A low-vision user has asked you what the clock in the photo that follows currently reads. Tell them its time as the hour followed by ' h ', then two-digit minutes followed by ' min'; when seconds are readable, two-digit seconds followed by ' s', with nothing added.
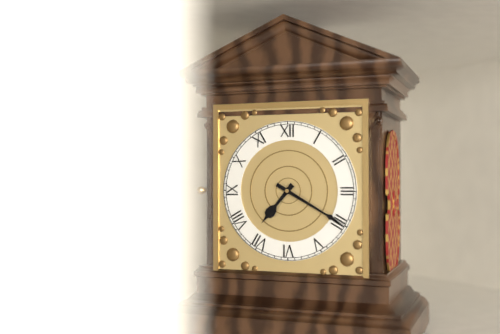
7 h 20 min
